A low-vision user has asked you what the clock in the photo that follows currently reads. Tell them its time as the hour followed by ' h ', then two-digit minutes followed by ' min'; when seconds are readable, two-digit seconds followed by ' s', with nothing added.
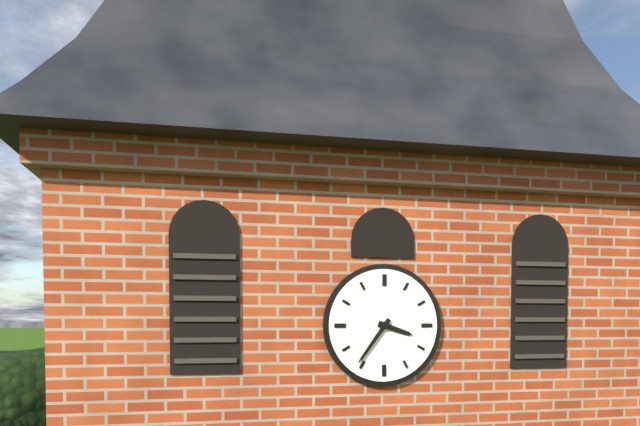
3 h 36 min
